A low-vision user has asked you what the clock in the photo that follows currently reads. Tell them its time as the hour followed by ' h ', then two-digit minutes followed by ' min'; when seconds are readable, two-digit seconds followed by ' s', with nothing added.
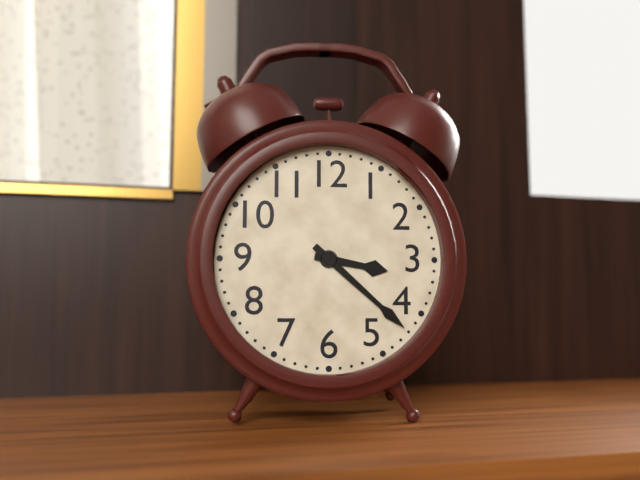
3 h 22 min
